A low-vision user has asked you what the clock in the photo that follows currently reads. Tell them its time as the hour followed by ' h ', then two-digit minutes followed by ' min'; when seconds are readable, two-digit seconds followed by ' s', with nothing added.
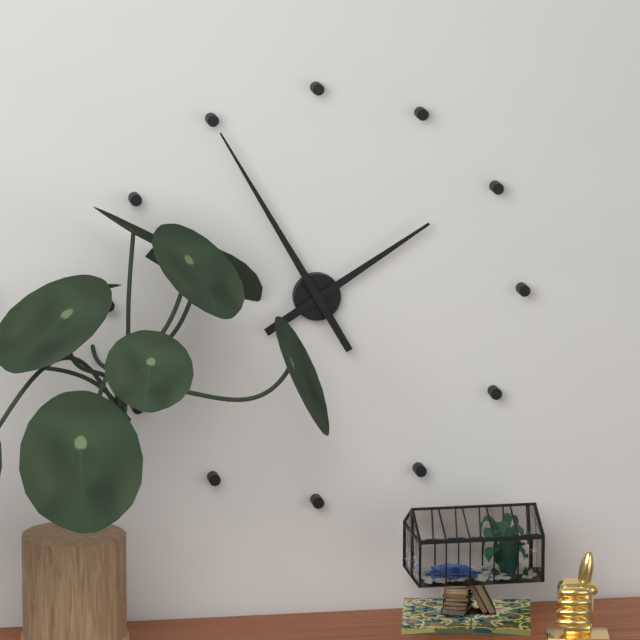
1 h 55 min
